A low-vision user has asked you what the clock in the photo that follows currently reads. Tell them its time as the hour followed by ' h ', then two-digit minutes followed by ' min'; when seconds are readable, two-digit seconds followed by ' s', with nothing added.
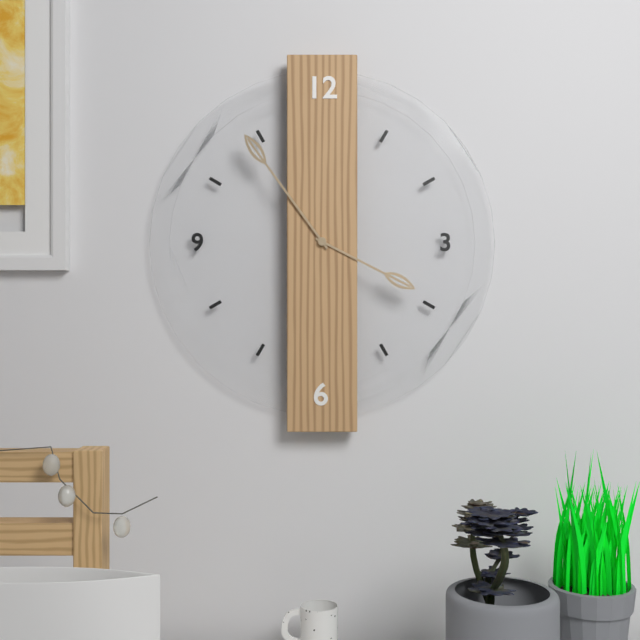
3 h 54 min
